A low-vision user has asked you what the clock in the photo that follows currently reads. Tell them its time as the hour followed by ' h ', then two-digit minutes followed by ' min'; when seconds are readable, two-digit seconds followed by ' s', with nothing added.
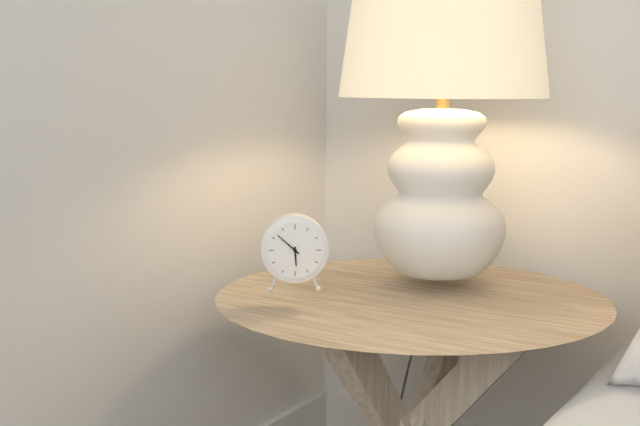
5 h 52 min
